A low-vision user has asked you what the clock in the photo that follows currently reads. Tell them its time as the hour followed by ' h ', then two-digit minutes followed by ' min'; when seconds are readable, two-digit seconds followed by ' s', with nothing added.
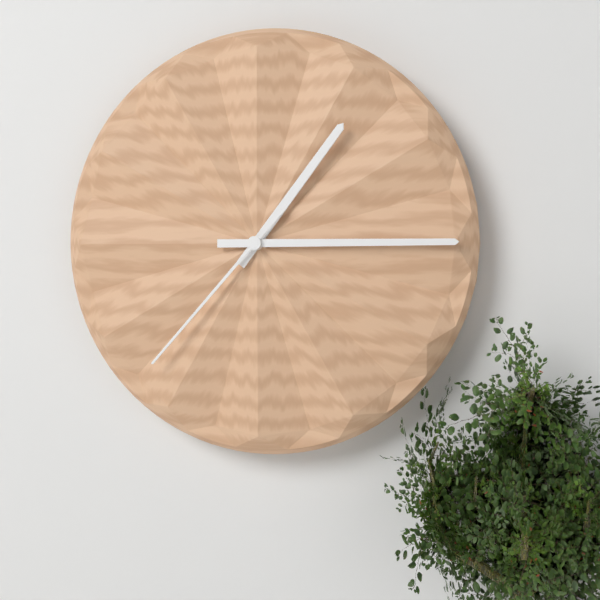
1 h 15 min 37 s
